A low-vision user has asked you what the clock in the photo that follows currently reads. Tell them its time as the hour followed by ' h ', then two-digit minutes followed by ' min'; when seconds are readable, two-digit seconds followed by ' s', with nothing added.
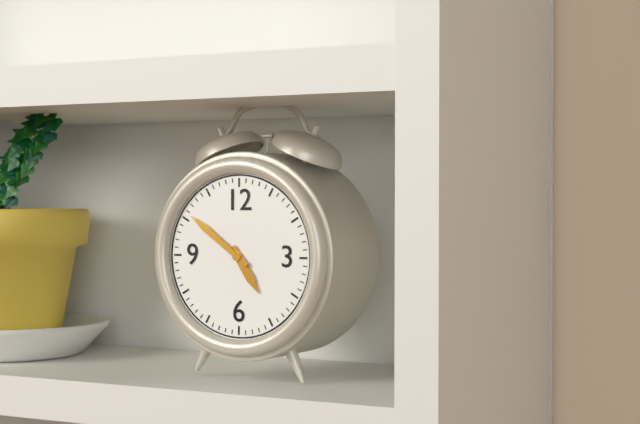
4 h 51 min
